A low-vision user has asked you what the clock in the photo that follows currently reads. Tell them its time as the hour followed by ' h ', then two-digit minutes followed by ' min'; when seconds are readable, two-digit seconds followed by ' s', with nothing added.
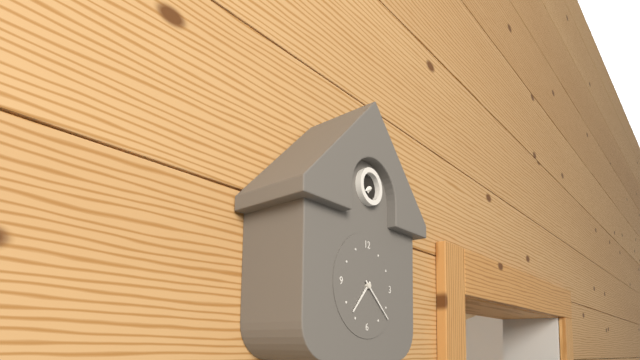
7 h 22 min
